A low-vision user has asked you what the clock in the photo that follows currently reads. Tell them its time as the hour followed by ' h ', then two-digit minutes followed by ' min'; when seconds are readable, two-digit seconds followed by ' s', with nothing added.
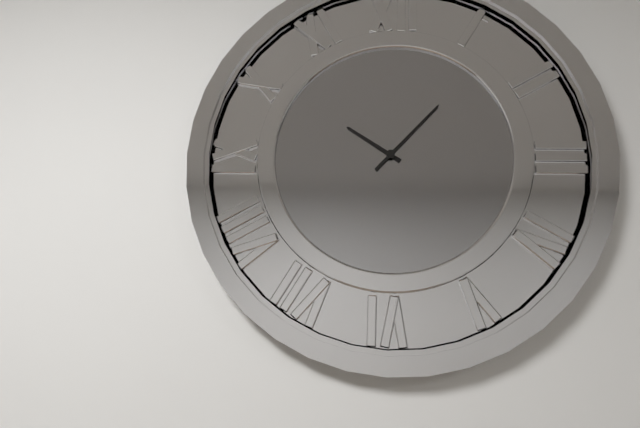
10 h 07 min
